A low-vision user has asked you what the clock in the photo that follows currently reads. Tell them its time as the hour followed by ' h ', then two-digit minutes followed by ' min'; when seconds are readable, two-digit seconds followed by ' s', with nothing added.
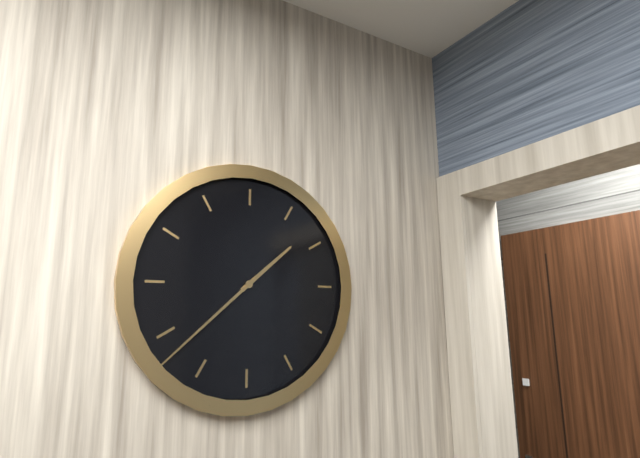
1 h 38 min
